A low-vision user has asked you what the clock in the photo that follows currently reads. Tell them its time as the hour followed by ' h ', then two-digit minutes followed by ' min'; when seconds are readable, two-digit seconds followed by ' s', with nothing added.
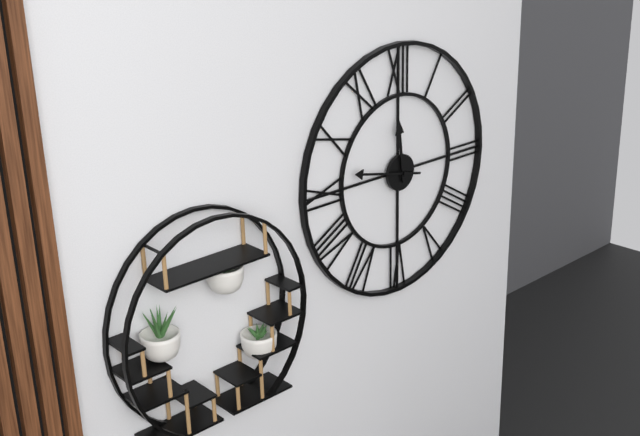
11 h 47 min
